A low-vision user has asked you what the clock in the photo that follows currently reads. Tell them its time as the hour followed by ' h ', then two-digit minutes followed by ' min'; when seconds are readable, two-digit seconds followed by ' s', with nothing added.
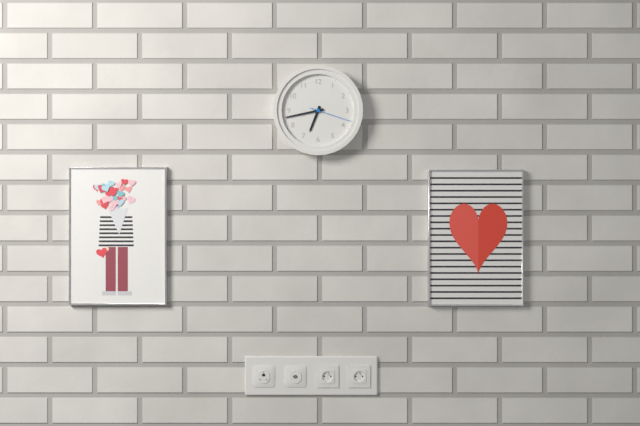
6 h 43 min
